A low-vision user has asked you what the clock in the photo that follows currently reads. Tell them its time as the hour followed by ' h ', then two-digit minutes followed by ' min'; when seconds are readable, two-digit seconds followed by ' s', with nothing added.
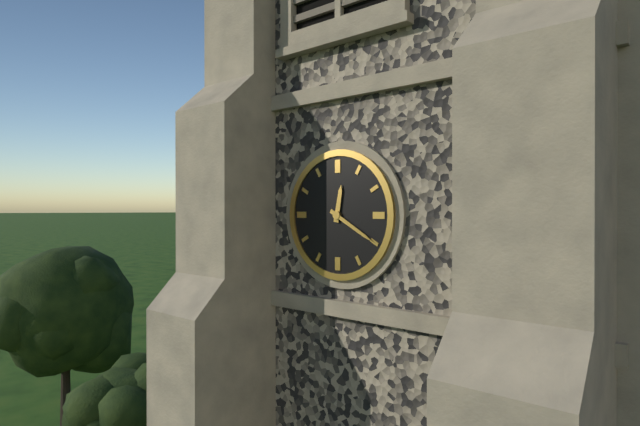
12 h 20 min
